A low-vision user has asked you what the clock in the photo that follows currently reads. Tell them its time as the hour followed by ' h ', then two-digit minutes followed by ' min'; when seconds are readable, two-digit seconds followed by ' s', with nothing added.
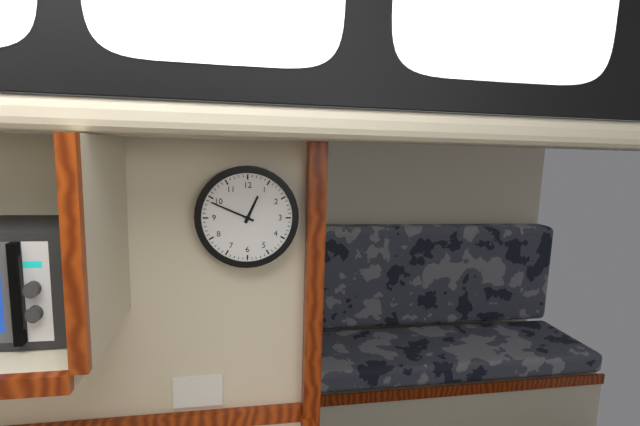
12 h 49 min
